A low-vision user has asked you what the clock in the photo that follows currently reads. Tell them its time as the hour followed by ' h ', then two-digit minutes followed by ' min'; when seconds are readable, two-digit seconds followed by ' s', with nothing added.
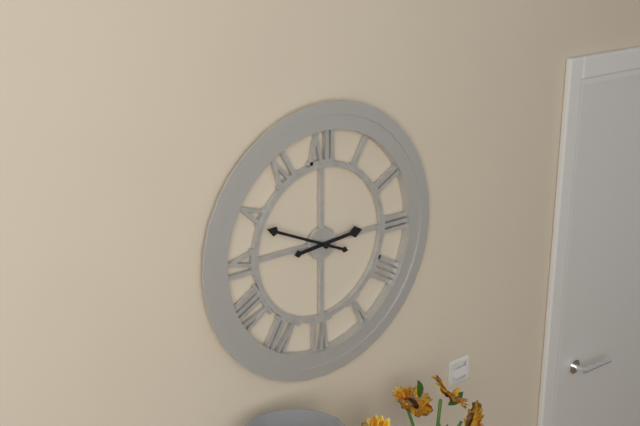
2 h 49 min
